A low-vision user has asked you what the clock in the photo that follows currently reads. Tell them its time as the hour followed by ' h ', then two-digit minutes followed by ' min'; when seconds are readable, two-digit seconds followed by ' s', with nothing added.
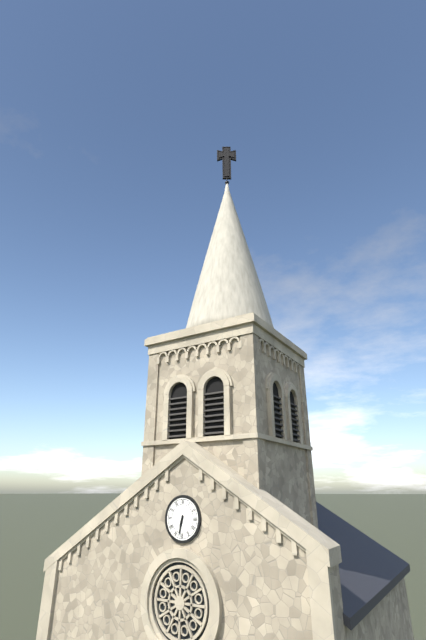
6 h 32 min
